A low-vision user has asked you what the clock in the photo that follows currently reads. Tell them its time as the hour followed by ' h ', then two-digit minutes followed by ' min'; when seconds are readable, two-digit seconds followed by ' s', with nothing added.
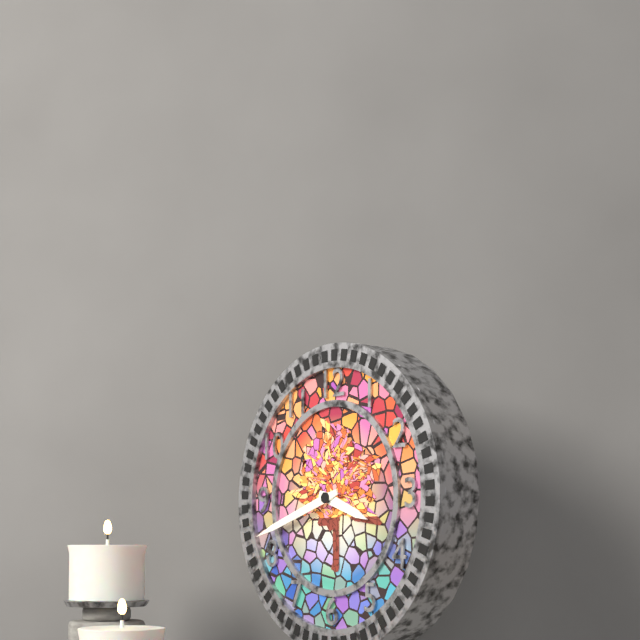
3 h 42 min
